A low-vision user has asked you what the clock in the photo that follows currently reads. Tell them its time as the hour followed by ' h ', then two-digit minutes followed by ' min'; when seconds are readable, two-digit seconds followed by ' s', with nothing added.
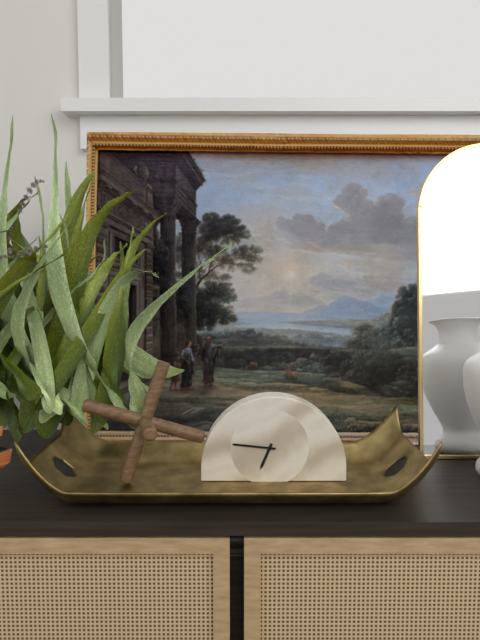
6 h 46 min
